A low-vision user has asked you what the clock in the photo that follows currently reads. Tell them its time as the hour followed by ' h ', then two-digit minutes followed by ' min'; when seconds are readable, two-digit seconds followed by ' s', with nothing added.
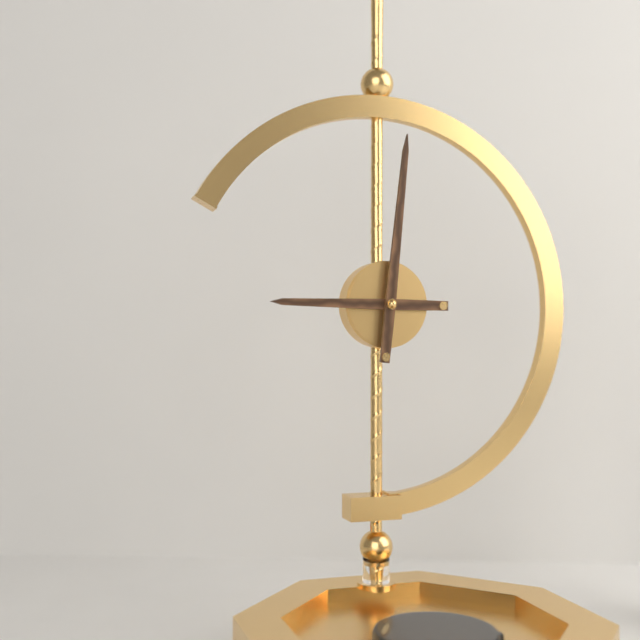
9 h 01 min
